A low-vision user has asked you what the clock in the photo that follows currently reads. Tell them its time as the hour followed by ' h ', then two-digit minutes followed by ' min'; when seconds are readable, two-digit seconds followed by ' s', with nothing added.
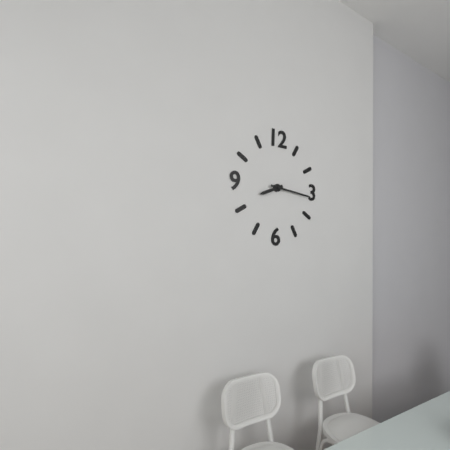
8 h 16 min
